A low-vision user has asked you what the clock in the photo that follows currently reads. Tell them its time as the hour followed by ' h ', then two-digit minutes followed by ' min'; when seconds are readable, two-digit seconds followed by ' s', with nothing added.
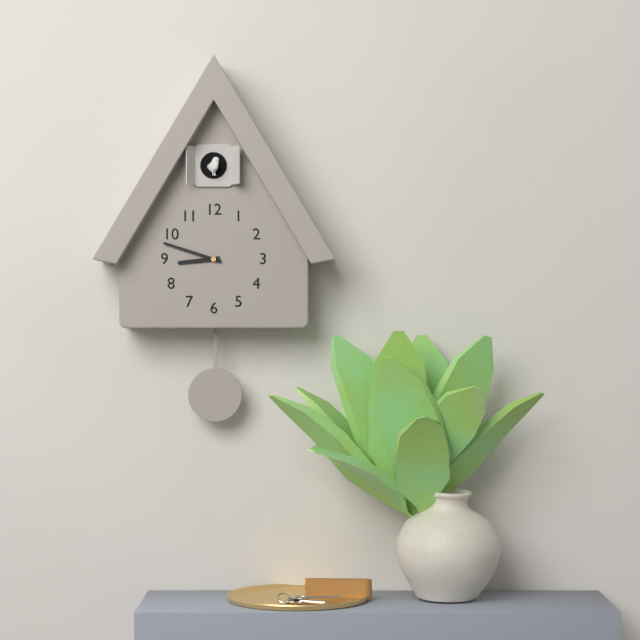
8 h 48 min
